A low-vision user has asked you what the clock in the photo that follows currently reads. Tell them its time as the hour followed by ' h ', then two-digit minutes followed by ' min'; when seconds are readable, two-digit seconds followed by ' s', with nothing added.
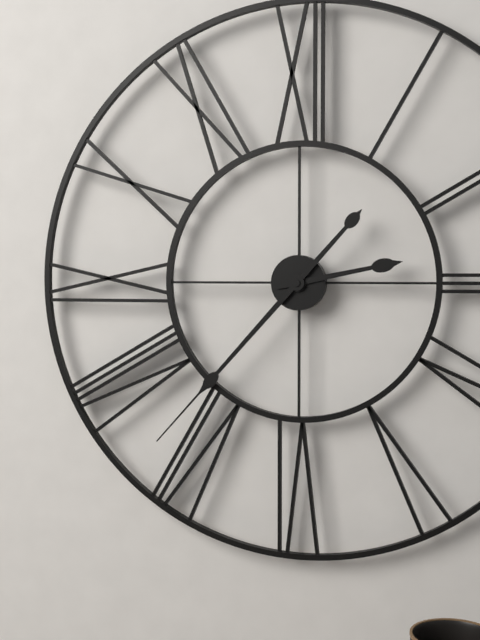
2 h 37 min
